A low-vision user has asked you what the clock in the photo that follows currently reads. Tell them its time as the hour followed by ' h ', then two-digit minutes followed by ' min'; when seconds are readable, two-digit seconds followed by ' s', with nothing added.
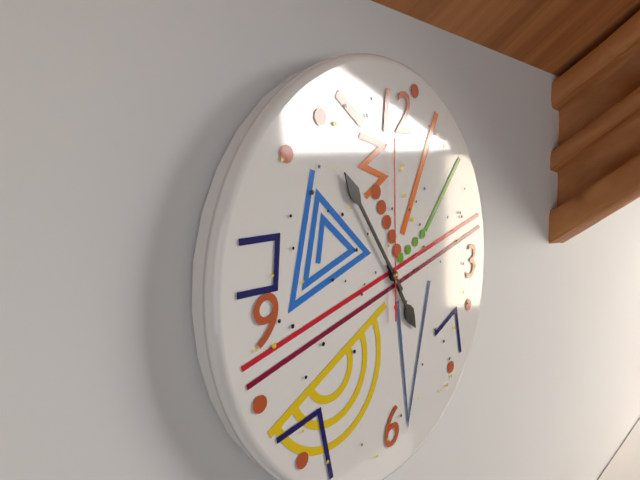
4 h 54 min 00 s
